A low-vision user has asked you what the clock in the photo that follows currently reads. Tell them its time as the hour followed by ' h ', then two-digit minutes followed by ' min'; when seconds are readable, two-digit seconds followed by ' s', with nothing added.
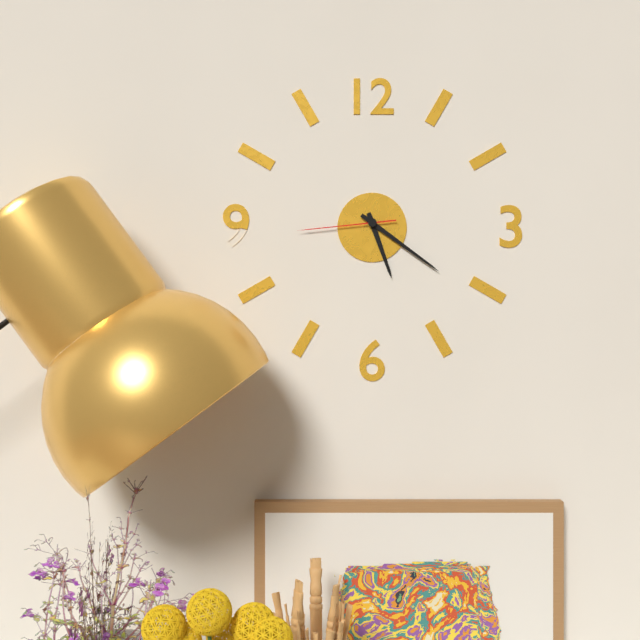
5 h 21 min 44 s
